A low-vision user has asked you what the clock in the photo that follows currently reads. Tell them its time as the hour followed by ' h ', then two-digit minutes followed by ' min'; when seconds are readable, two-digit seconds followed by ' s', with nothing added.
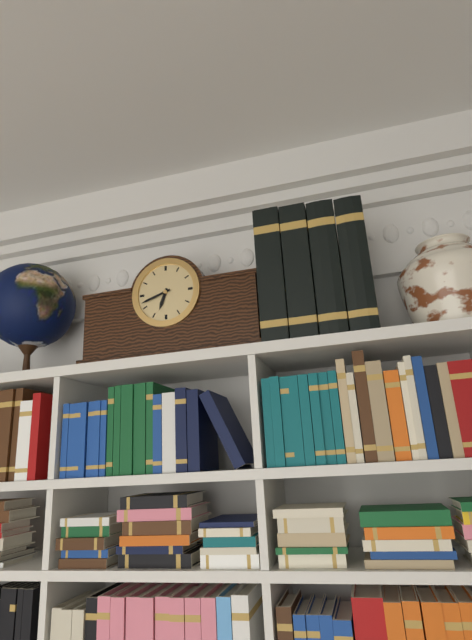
6 h 42 min
